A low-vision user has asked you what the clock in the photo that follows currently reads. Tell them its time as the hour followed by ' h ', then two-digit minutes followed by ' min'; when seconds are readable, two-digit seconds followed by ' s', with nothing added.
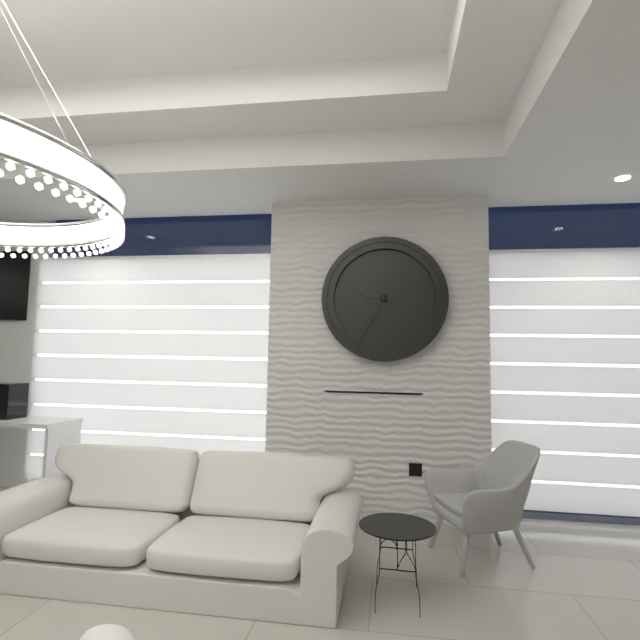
9 h 35 min
